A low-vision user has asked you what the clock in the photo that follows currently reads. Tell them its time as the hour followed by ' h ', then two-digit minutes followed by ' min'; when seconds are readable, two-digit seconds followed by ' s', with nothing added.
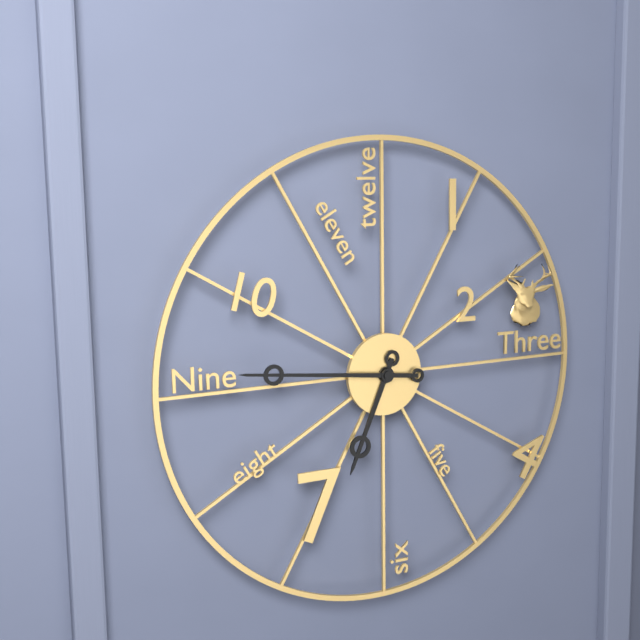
6 h 46 min
